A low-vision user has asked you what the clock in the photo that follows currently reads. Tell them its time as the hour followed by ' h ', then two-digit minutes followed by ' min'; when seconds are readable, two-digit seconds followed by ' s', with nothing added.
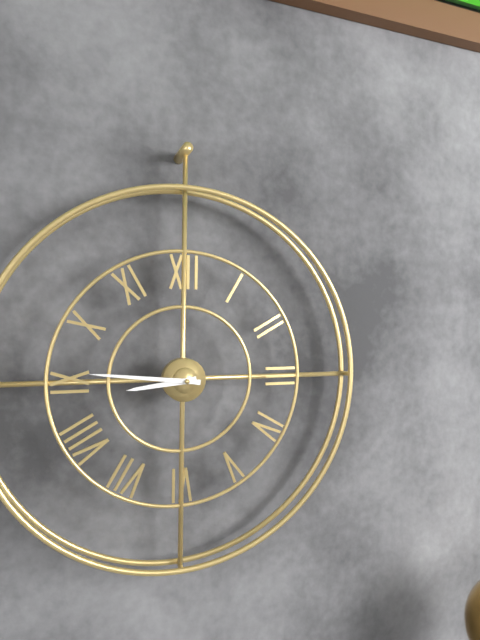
8 h 46 min
